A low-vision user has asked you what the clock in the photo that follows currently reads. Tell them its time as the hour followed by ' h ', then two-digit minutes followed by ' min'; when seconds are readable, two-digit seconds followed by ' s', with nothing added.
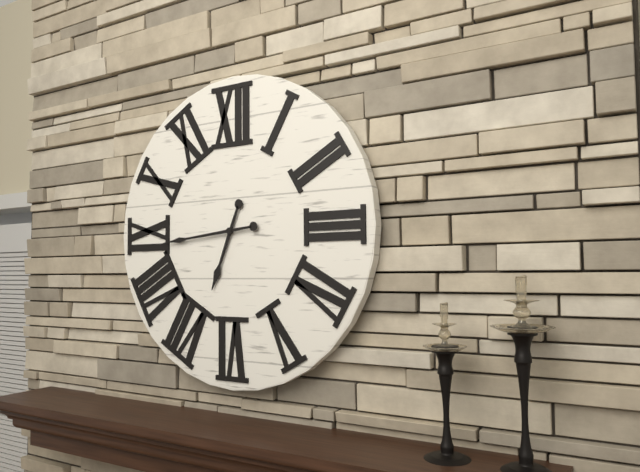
6 h 44 min
